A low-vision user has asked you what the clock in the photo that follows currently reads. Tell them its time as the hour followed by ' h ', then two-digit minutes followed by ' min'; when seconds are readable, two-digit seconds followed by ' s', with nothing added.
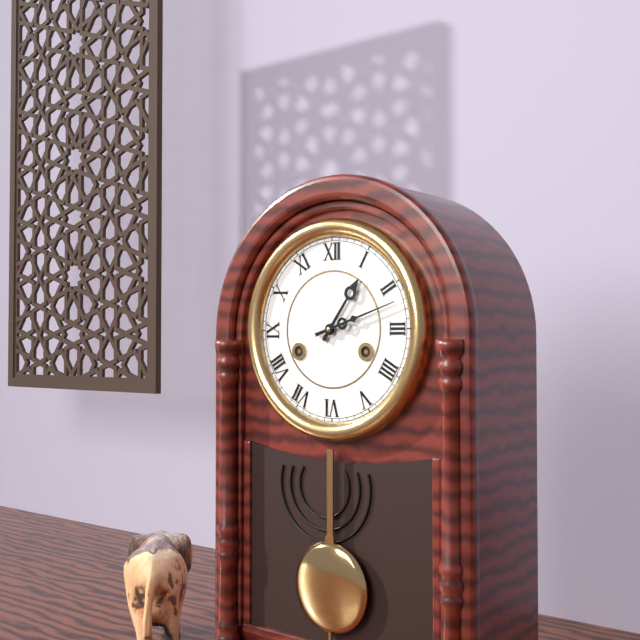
1 h 12 min
